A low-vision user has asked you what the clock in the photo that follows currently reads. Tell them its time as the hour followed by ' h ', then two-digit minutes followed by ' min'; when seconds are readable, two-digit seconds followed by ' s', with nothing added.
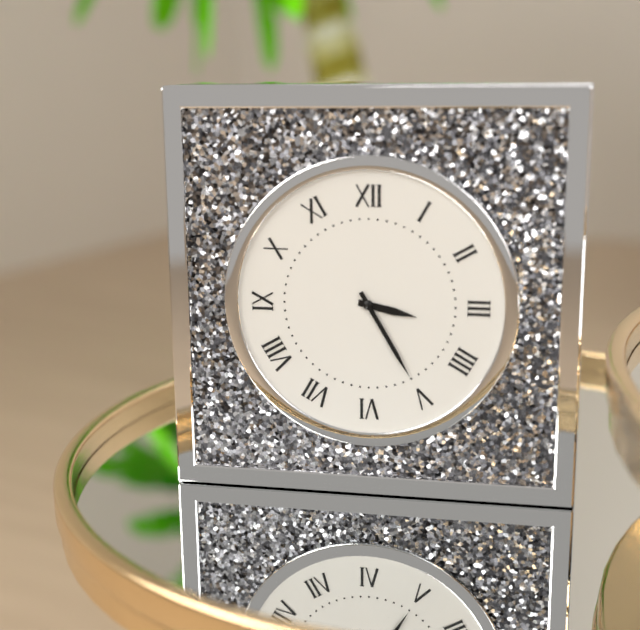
3 h 25 min
